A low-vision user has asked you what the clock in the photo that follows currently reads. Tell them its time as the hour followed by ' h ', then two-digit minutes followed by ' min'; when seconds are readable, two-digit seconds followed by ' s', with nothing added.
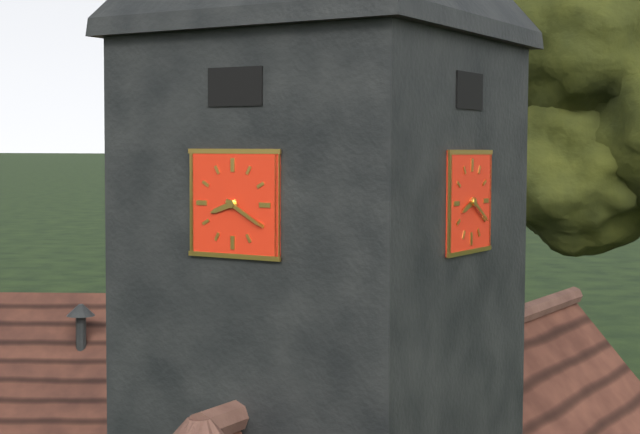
8 h 20 min
